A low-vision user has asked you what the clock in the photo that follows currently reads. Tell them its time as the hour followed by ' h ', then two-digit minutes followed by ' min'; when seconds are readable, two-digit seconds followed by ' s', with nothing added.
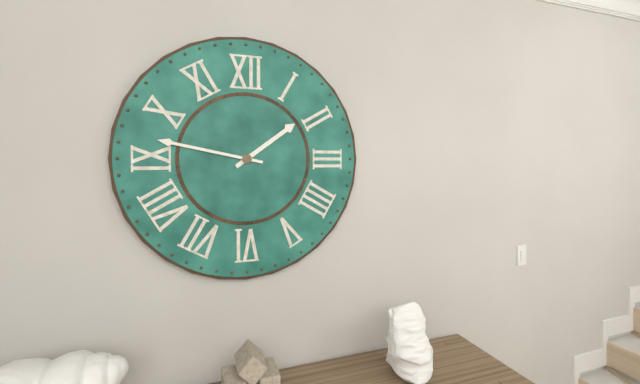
1 h 47 min
